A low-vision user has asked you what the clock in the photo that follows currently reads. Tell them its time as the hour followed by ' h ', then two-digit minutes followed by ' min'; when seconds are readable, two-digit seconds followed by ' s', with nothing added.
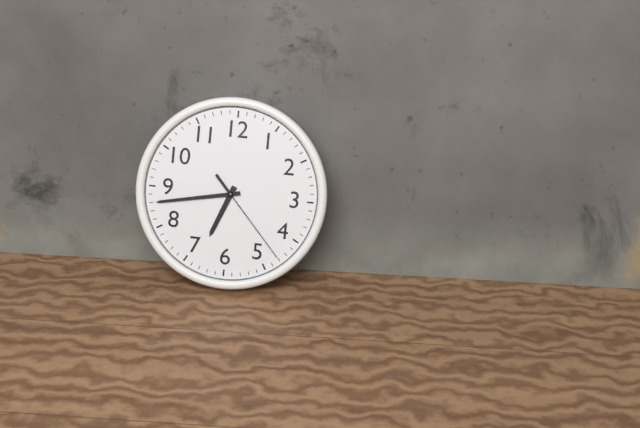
6 h 43 min 23 s
